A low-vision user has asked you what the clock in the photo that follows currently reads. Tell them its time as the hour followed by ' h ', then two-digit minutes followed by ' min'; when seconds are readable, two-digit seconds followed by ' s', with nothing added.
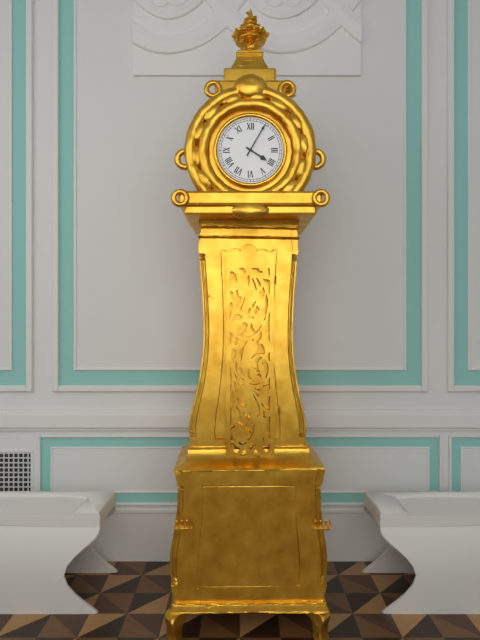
4 h 05 min
